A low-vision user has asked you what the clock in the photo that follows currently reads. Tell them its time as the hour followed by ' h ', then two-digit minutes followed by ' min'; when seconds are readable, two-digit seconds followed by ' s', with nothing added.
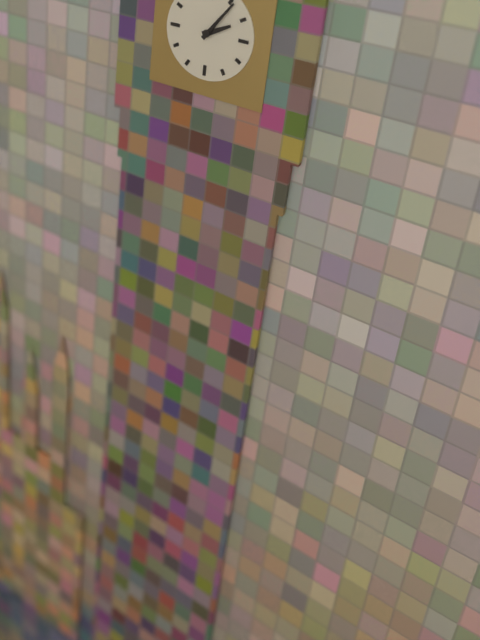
2 h 06 min
